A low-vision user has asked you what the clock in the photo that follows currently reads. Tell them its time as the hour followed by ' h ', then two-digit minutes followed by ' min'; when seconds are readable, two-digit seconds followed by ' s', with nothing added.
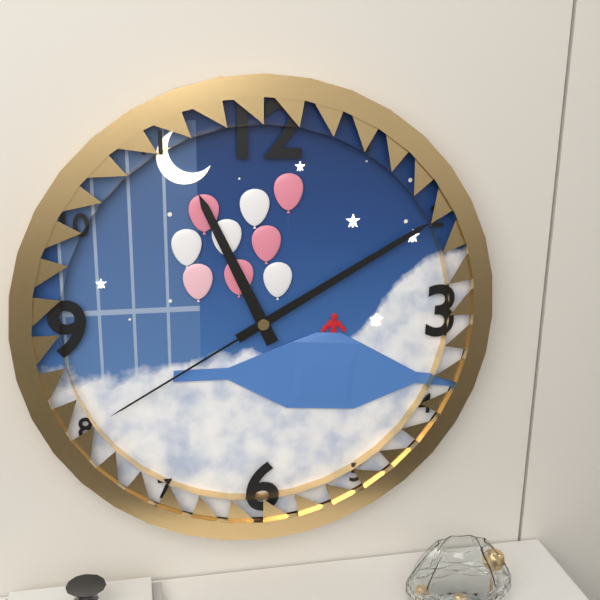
11 h 10 min 40 s
